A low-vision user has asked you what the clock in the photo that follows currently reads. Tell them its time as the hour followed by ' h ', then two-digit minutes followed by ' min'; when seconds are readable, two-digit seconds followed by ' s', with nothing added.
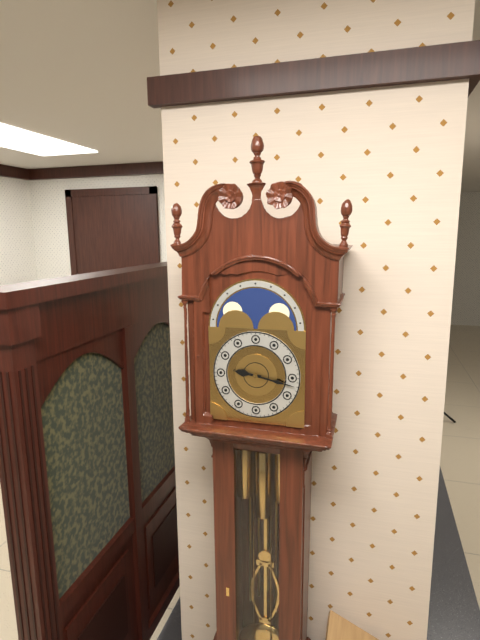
9 h 17 min
